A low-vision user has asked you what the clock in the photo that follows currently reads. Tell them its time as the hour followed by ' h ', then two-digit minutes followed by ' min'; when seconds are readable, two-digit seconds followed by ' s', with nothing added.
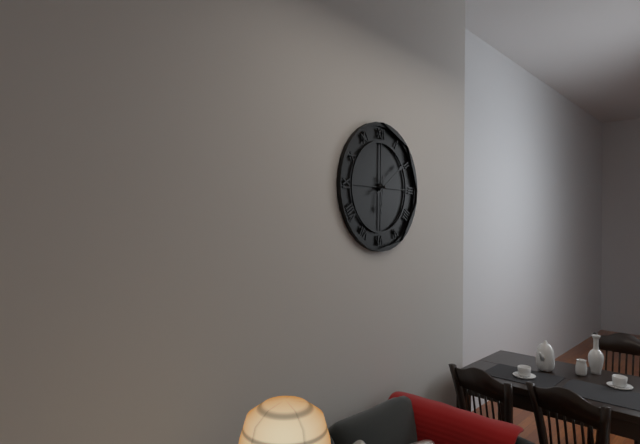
6 h 09 min
